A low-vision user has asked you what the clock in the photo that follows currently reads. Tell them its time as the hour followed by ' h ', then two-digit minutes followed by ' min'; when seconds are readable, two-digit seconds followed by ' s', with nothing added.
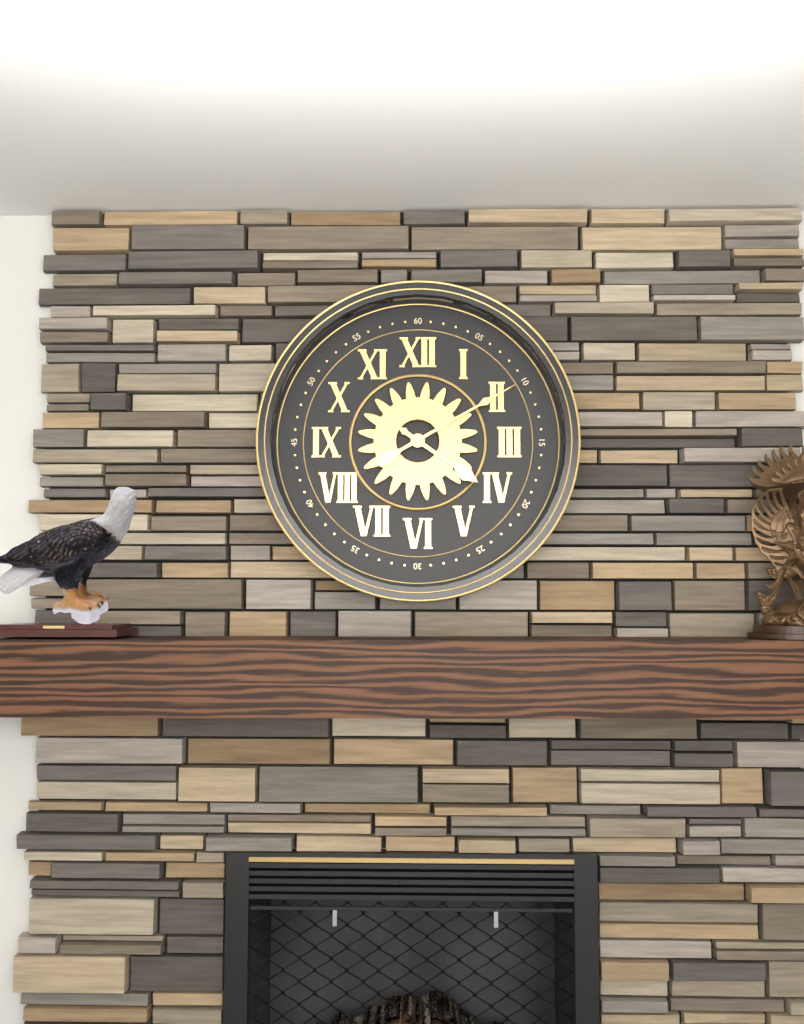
4 h 10 min
